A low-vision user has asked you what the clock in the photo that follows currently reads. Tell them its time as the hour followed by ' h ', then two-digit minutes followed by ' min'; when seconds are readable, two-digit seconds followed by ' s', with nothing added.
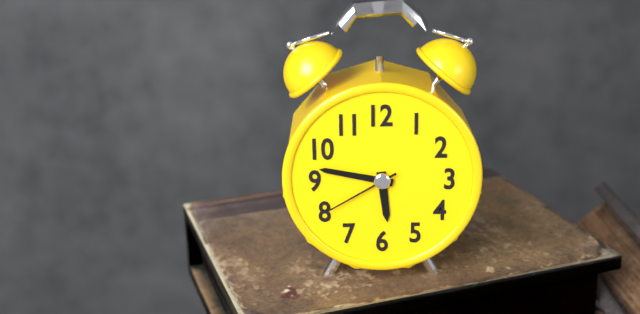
5 h 47 min 40 s
